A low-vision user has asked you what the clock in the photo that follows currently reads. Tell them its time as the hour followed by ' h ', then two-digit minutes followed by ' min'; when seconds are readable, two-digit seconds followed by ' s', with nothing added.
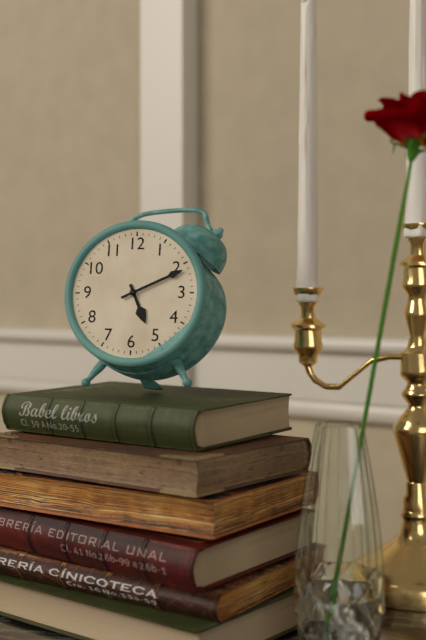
5 h 11 min
